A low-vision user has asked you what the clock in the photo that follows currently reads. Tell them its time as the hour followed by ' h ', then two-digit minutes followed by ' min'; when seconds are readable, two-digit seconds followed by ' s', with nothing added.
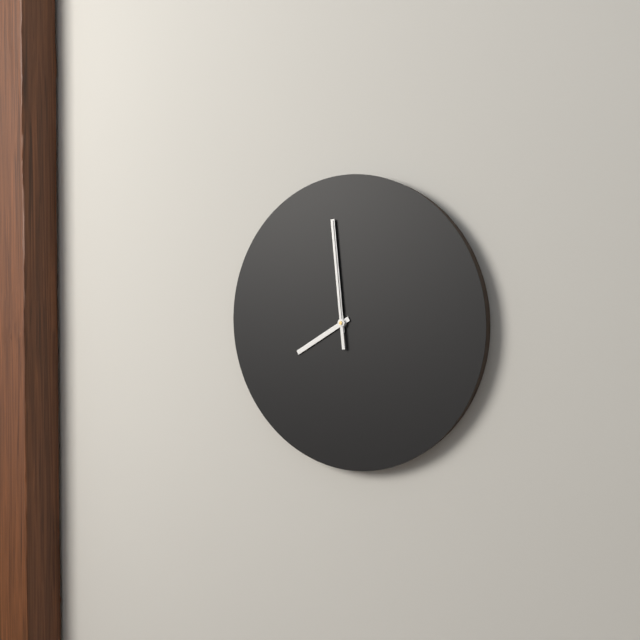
7 h 59 min 59 s
